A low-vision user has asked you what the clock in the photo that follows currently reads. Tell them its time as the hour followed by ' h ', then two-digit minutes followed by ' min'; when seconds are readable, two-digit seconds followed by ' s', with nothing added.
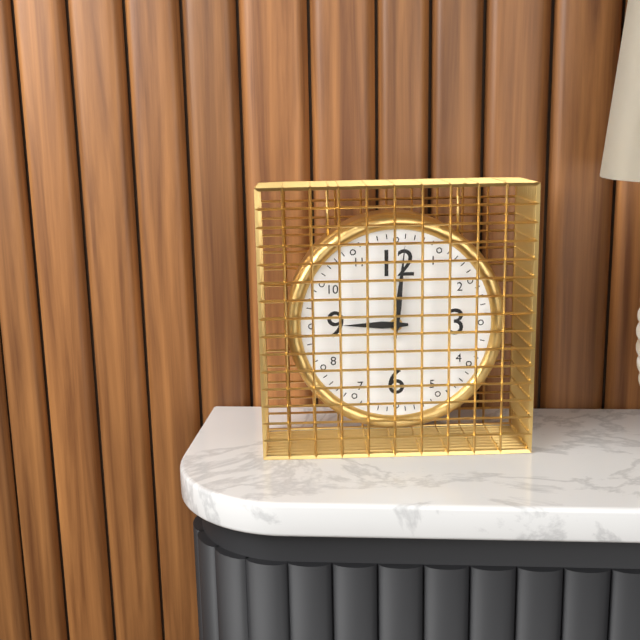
9 h 01 min
